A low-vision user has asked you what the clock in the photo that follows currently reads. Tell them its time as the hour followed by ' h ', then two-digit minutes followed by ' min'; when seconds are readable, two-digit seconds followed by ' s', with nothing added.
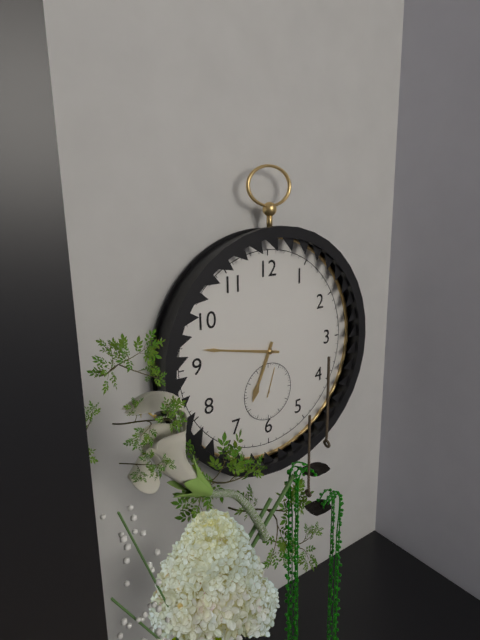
6 h 47 min
